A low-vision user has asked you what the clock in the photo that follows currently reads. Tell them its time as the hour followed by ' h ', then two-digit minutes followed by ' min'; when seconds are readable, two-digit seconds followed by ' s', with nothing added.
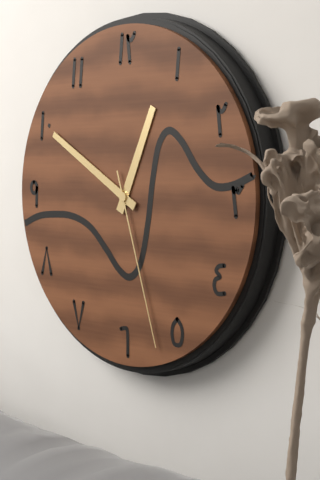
12 h 50 min 27 s
